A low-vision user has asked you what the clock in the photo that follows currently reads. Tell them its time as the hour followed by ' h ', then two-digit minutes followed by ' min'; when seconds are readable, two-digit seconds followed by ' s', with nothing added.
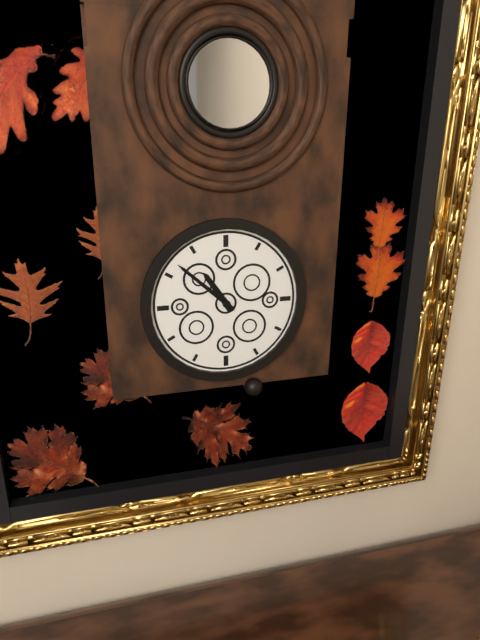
10 h 52 min
